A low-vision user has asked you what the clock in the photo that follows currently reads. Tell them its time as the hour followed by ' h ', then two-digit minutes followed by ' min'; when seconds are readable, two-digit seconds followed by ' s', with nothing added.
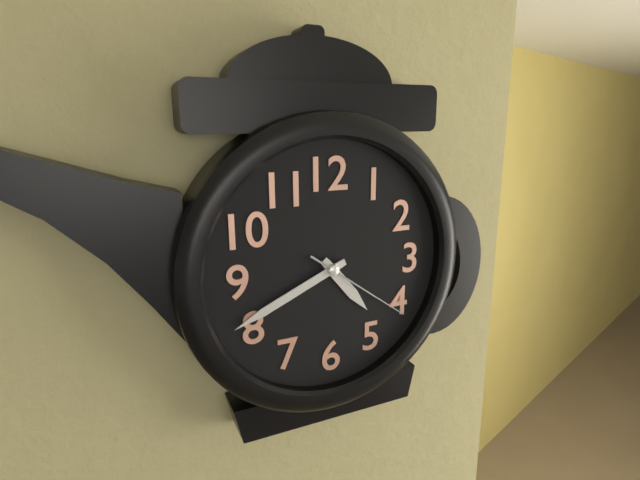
4 h 41 min 21 s
